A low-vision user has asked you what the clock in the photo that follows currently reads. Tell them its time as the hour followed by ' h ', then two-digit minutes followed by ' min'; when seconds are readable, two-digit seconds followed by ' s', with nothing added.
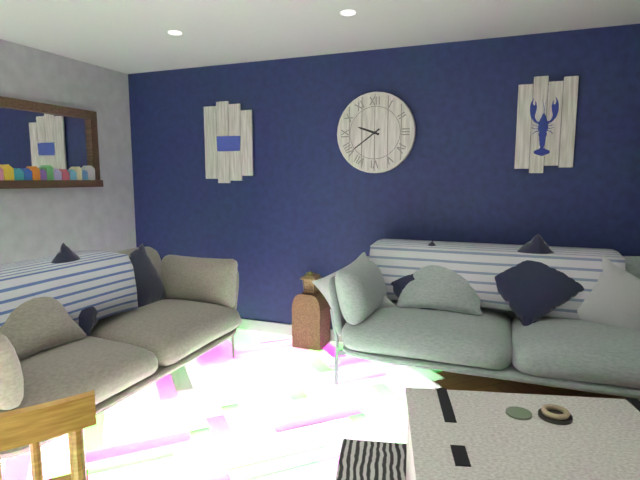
9 h 39 min
